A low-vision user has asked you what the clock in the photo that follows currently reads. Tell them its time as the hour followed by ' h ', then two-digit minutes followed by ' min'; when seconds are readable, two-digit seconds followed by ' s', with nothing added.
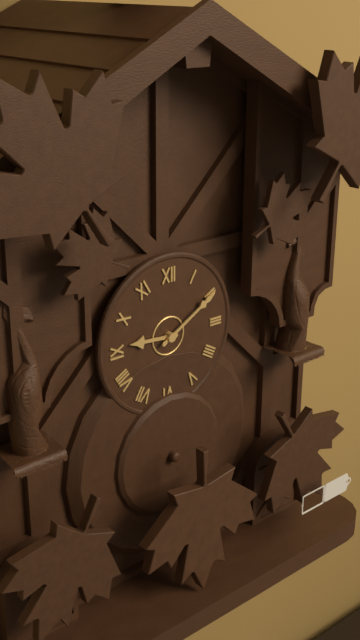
9 h 10 min
